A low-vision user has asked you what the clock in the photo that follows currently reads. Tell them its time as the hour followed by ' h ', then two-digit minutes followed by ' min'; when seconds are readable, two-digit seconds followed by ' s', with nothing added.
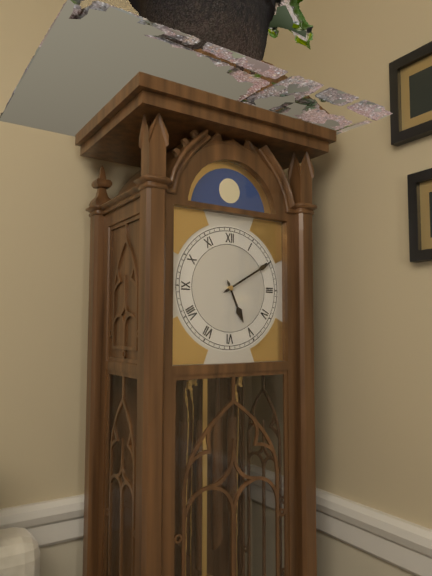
5 h 10 min
